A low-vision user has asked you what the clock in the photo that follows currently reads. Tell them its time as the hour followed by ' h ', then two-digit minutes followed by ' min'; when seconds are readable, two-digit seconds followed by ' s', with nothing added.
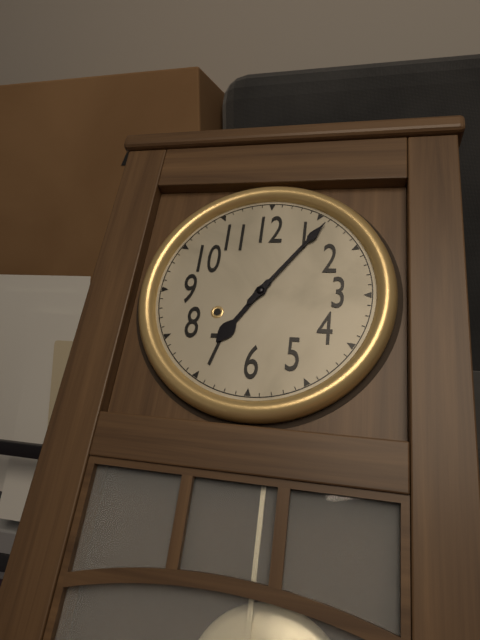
7 h 06 min
